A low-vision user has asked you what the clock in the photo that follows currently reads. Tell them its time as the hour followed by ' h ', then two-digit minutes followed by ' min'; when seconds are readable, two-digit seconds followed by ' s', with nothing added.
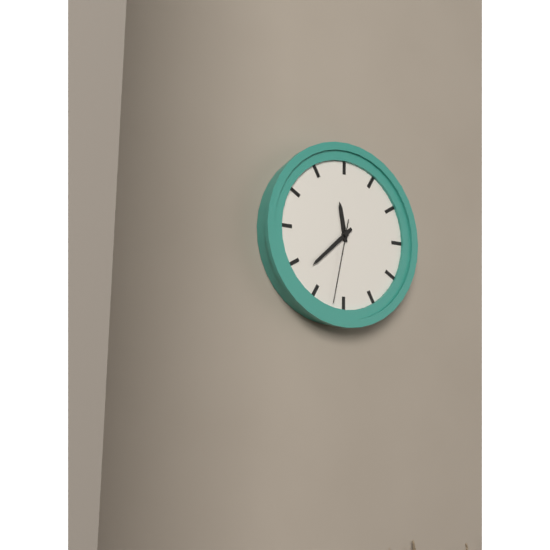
11 h 38 min 32 s
